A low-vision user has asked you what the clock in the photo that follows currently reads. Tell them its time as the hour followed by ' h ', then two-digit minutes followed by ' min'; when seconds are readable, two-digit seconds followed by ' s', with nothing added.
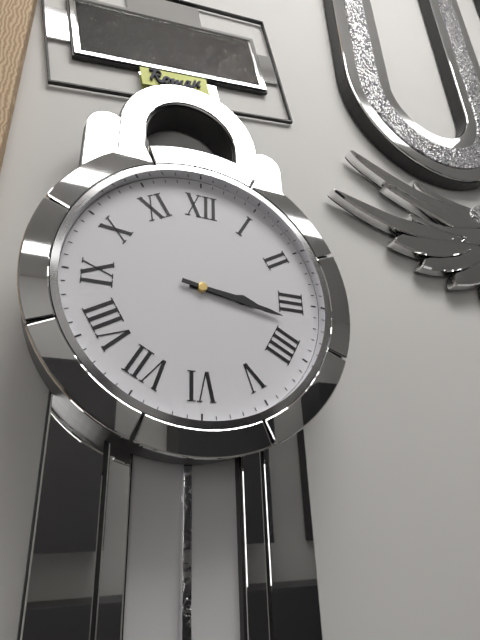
3 h 17 min
